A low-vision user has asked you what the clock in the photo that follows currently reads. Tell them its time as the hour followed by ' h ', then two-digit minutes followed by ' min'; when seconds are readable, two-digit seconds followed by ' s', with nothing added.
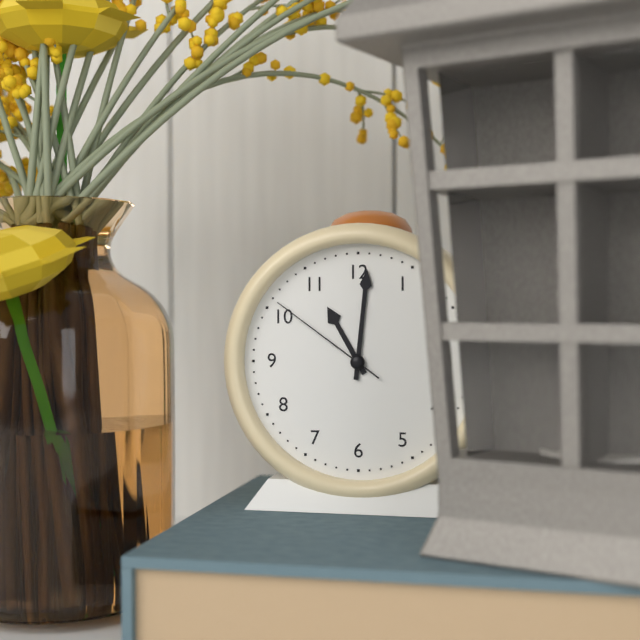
11 h 01 min 51 s
